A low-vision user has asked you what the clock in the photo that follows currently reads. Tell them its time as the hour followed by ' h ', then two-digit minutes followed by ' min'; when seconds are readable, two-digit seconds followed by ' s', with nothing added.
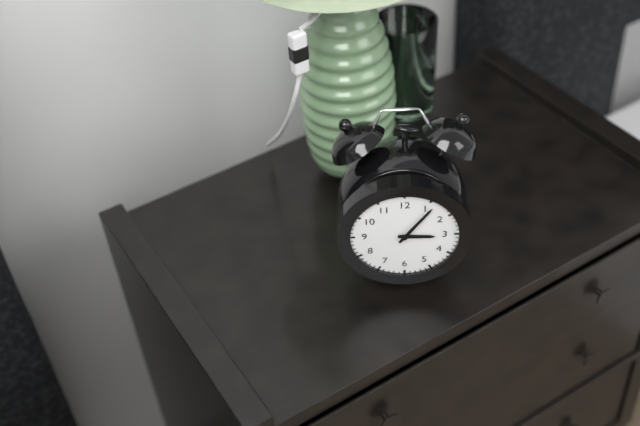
3 h 06 min
